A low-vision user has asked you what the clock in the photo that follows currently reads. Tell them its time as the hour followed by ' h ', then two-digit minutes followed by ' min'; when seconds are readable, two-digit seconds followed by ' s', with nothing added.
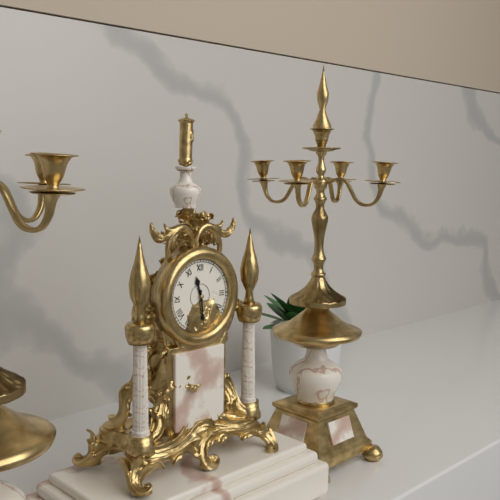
11 h 29 min
